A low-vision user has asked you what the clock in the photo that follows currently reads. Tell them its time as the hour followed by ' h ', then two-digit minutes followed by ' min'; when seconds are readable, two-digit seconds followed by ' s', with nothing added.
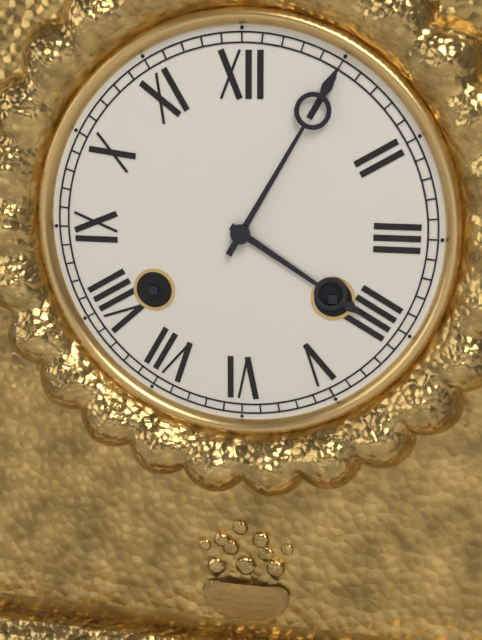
4 h 05 min
